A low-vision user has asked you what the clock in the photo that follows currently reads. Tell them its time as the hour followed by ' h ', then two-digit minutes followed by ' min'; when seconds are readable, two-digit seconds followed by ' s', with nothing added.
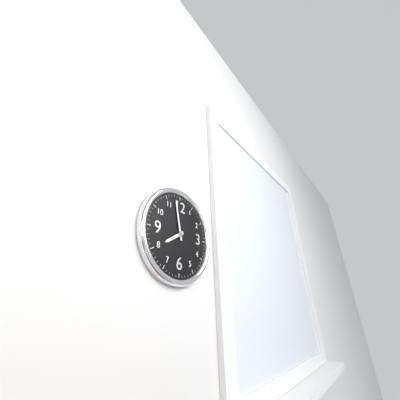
7 h 58 min
